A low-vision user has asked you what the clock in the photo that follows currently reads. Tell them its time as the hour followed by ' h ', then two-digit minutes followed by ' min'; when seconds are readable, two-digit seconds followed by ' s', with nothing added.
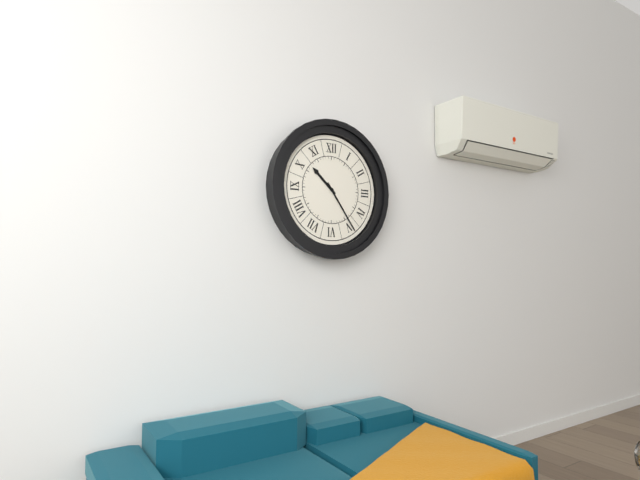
10 h 24 min
